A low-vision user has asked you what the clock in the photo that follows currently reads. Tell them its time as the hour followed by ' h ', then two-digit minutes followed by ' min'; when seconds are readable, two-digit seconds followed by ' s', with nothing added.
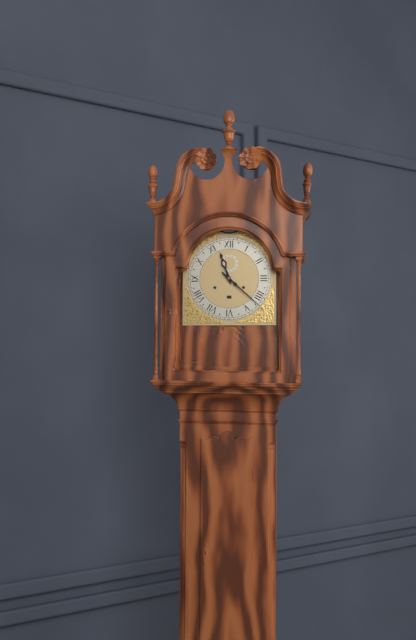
11 h 22 min
